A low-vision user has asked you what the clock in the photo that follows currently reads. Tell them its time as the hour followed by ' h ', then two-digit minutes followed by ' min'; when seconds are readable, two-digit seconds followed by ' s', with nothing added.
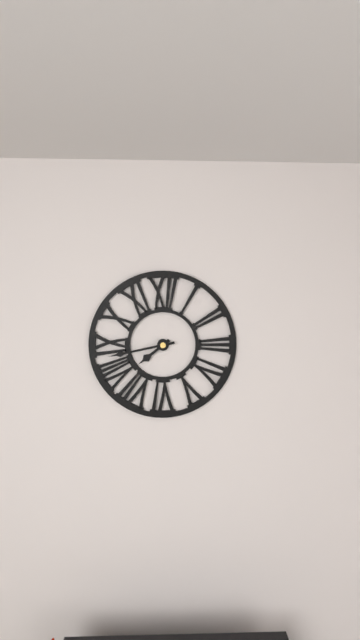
7 h 43 min
